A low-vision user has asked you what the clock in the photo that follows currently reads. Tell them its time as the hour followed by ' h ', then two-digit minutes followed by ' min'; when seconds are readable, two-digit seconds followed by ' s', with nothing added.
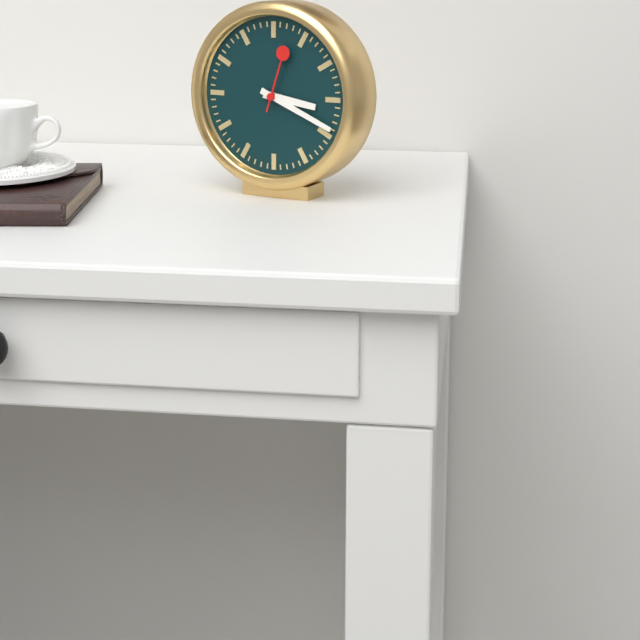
3 h 19 min 03 s
